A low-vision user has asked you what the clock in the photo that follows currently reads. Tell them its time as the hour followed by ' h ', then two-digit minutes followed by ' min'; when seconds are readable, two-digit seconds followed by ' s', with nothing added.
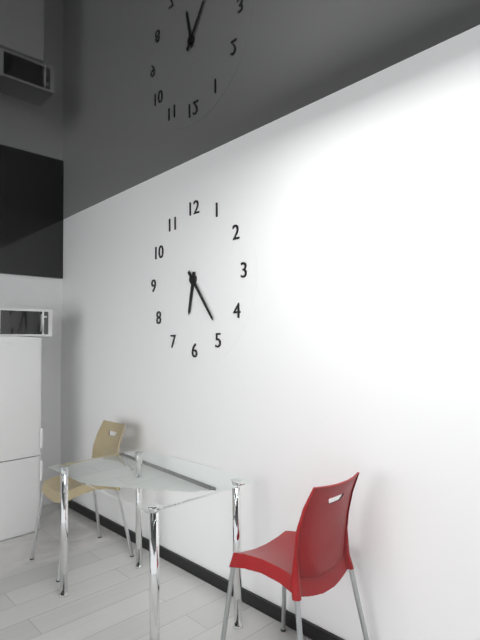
6 h 24 min
